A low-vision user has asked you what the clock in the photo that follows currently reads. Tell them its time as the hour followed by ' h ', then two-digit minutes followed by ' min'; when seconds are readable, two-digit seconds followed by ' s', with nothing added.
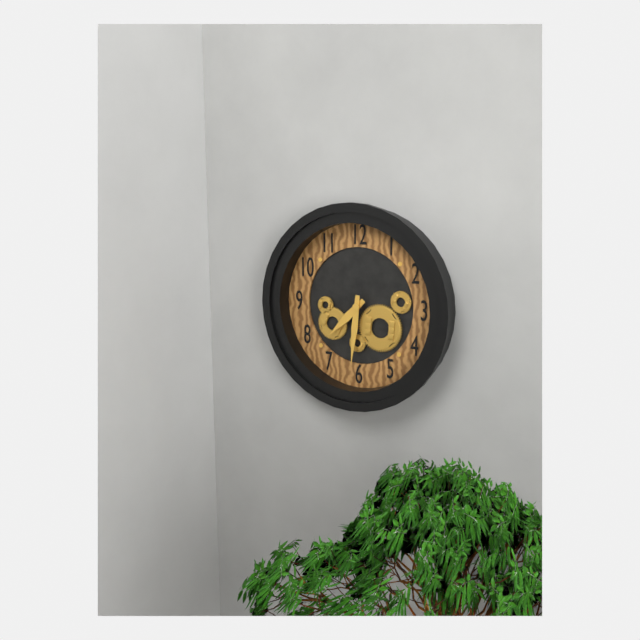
7 h 31 min
